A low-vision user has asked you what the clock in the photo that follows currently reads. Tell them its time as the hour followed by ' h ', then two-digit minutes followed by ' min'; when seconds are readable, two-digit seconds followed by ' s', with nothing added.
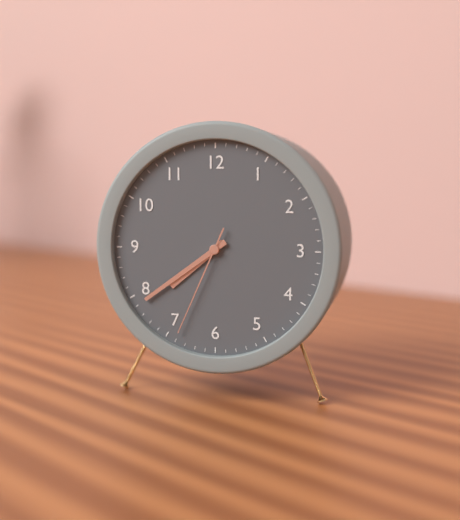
7 h 39 min 34 s
